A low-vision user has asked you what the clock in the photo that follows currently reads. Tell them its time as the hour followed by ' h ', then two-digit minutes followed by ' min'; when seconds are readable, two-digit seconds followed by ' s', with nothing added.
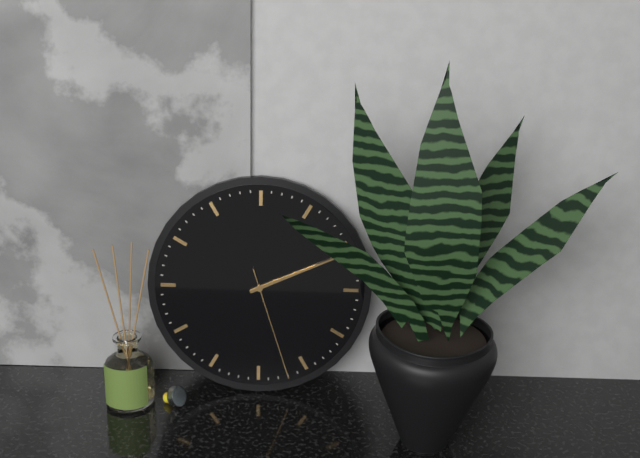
2 h 11 min 27 s
